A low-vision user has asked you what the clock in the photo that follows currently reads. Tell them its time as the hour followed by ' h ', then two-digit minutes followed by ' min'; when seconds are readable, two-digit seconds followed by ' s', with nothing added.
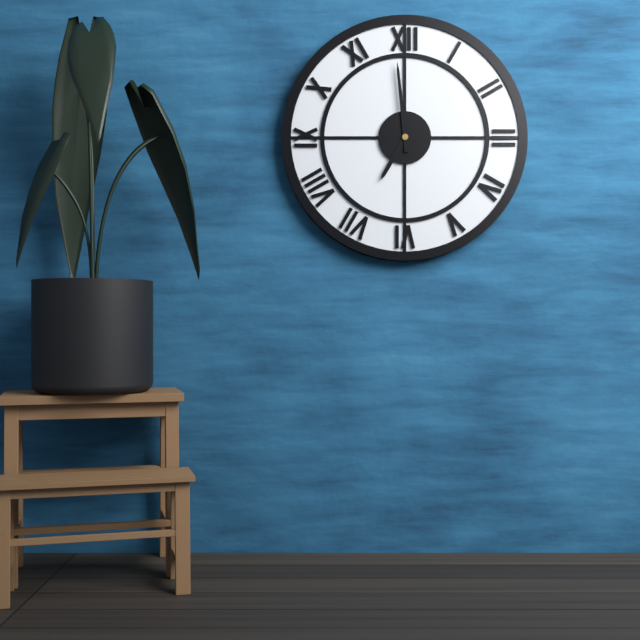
6 h 59 min
